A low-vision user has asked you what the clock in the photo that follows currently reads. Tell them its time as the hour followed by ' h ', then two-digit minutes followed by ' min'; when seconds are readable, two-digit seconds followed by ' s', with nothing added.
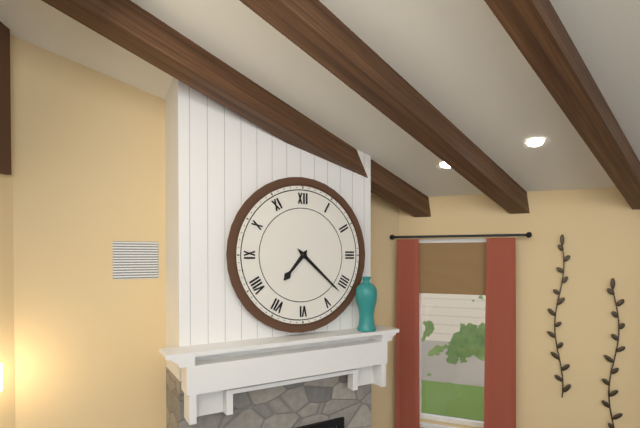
7 h 22 min
